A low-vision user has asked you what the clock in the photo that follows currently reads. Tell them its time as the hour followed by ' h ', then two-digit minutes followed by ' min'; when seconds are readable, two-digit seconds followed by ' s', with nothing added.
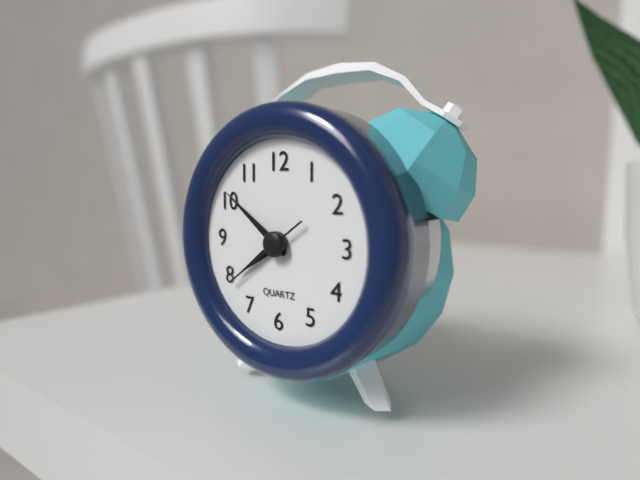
7 h 51 min 39 s
